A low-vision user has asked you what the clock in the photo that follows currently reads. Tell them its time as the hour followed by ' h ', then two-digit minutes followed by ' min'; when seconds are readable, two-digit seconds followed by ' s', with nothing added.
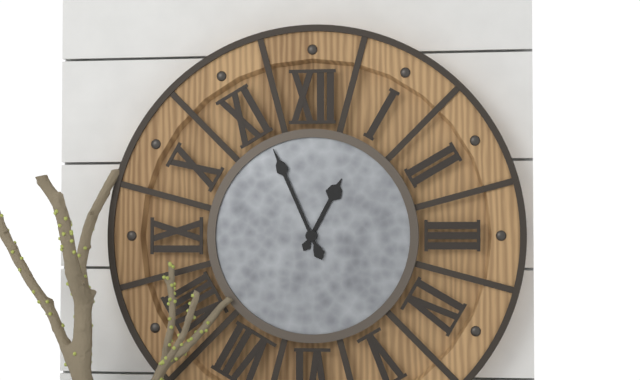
12 h 56 min
